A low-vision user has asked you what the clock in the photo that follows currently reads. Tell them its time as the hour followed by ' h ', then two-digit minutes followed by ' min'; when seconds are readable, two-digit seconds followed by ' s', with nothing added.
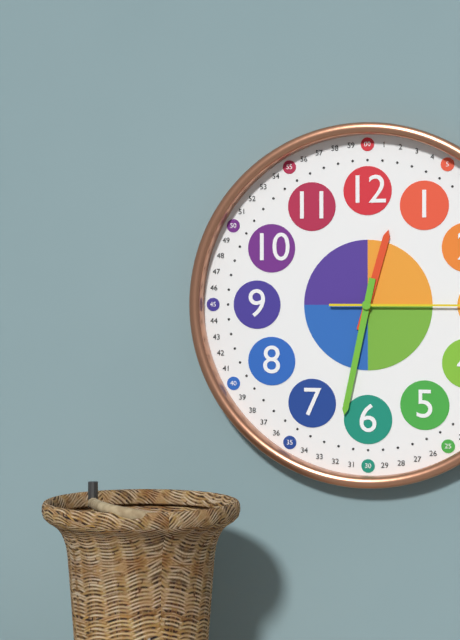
12 h 32 min
